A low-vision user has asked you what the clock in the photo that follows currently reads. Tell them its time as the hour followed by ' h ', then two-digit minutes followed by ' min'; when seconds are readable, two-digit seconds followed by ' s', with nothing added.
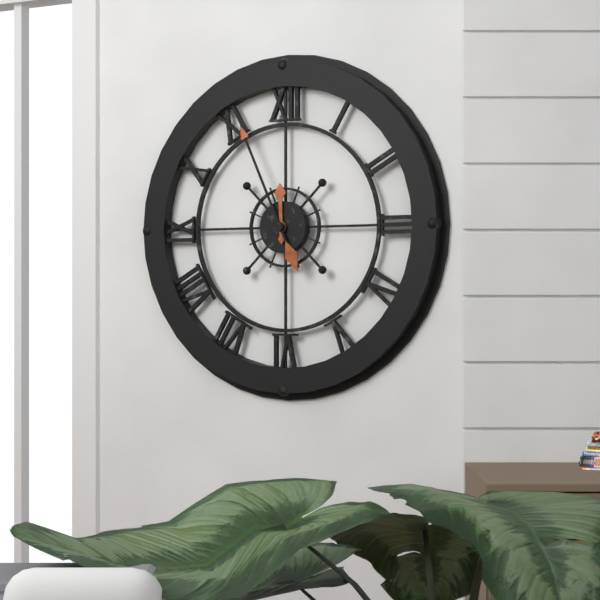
11 h 56 min
